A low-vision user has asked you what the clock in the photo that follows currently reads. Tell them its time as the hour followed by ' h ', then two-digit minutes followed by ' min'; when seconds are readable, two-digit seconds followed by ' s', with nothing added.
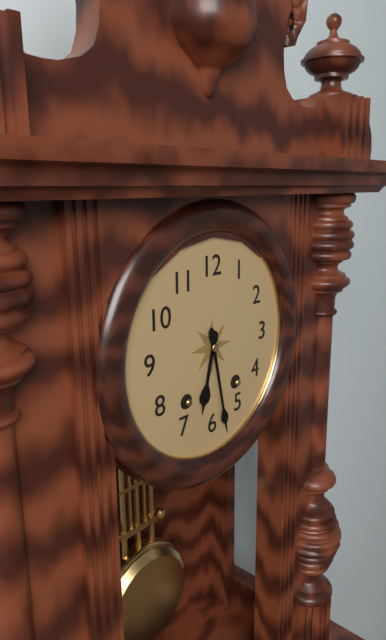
6 h 28 min
